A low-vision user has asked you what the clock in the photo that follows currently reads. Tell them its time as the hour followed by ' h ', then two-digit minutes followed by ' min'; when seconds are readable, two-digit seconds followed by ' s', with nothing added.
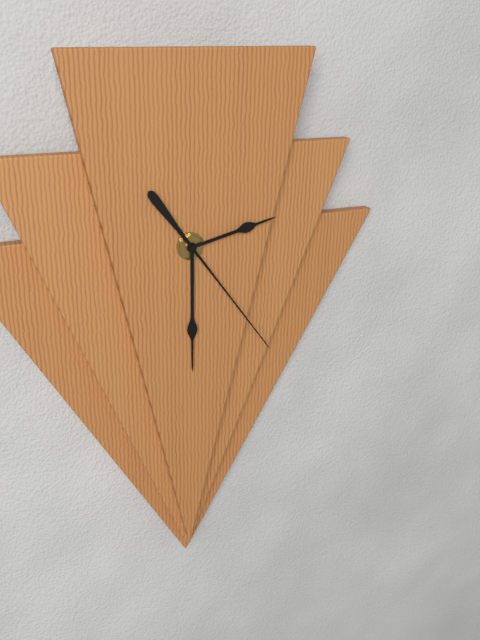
2 h 30 min 24 s
